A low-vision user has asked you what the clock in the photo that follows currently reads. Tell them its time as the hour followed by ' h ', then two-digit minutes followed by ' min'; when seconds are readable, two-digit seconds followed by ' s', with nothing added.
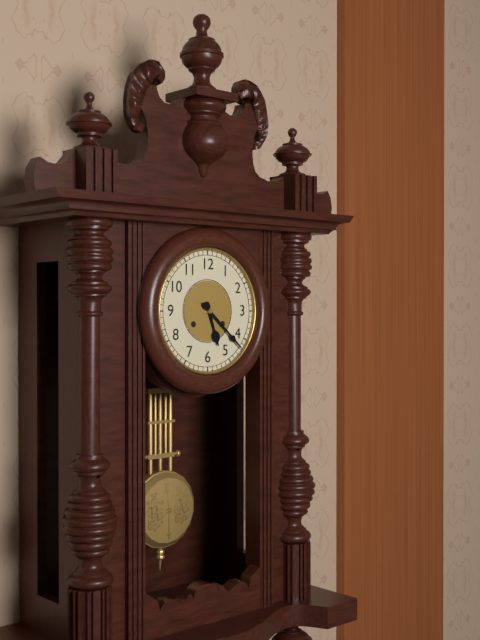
5 h 22 min
